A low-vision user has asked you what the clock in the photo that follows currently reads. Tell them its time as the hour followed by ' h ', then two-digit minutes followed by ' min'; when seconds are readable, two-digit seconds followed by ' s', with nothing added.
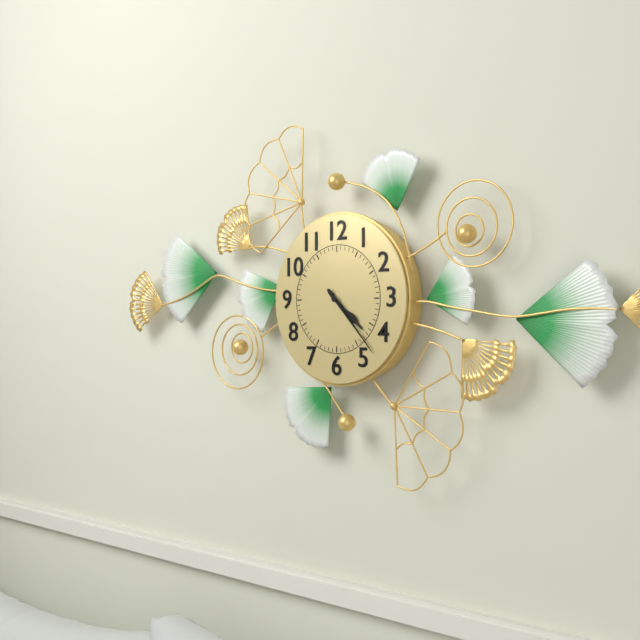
4 h 23 min
